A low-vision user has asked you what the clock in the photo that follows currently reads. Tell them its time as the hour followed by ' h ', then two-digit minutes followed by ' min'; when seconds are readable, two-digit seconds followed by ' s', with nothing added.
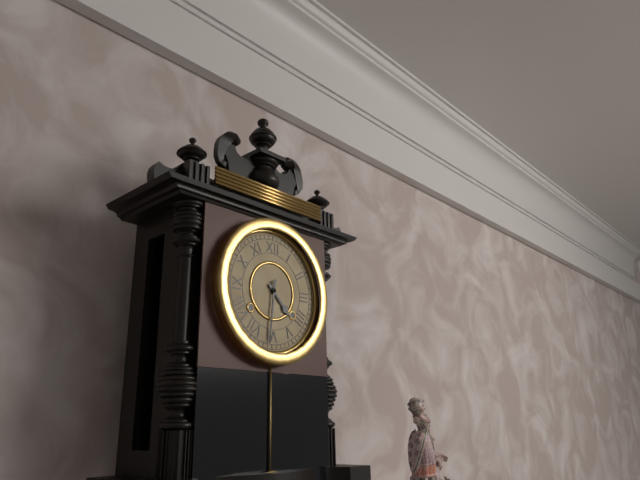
4 h 31 min
